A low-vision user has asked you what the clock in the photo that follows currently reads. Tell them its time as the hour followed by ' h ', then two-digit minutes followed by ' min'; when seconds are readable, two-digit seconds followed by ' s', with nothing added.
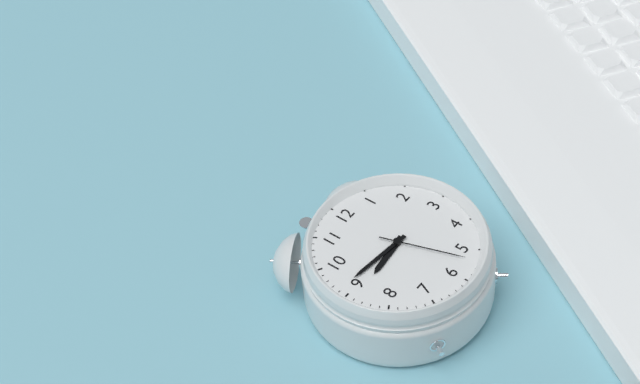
8 h 46 min 27 s
